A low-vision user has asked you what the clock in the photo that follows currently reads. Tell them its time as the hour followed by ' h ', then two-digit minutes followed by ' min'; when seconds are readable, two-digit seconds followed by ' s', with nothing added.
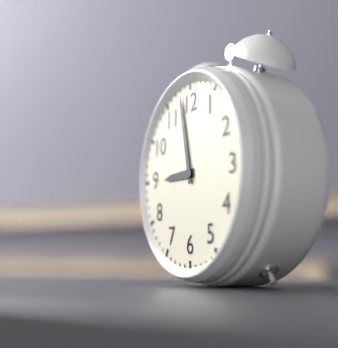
8 h 58 min
